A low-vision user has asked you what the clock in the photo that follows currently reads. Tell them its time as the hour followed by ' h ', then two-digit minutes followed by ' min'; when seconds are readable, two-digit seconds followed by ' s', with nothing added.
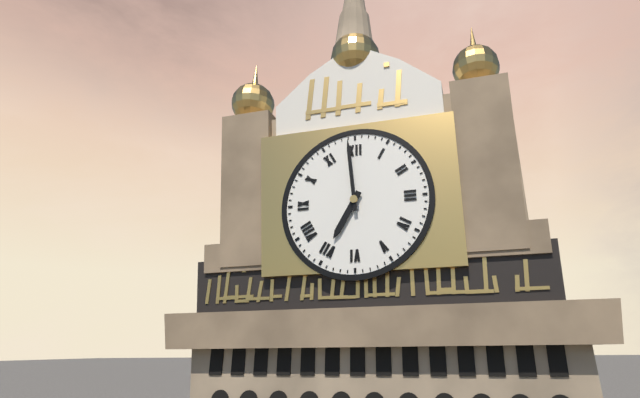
6 h 59 min
